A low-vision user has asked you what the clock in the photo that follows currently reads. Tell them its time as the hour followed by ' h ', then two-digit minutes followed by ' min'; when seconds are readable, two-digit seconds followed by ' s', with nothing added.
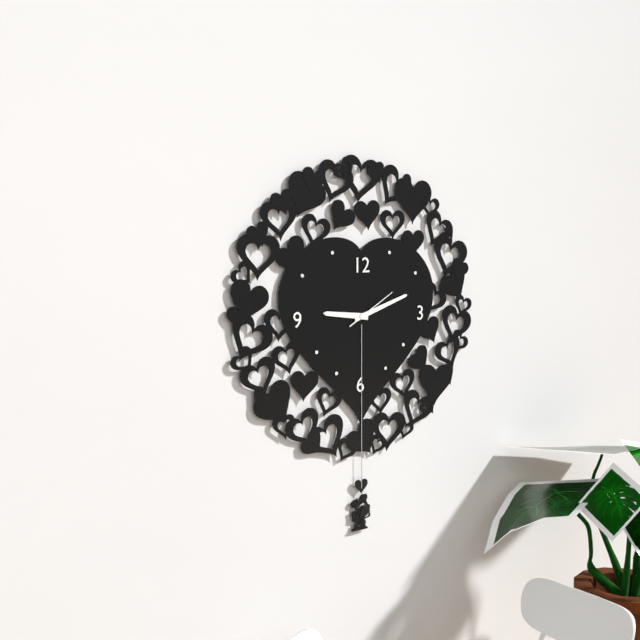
9 h 12 min
